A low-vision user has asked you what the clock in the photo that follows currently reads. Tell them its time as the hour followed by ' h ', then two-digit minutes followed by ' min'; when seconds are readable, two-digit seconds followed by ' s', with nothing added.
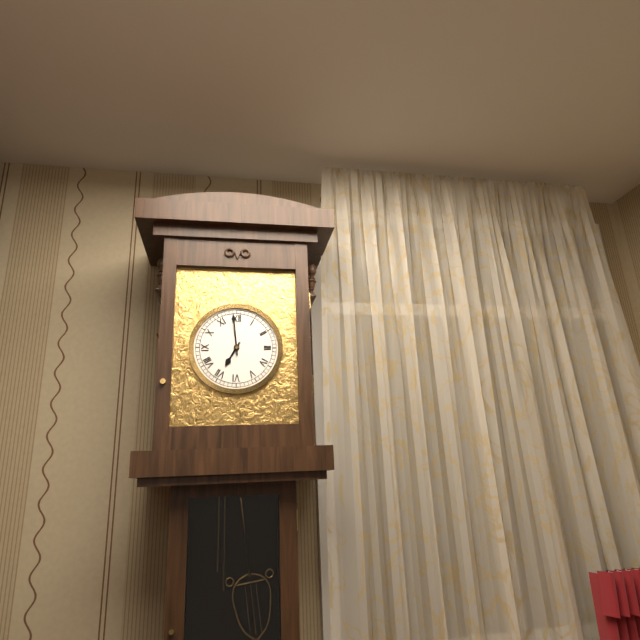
6 h 59 min
